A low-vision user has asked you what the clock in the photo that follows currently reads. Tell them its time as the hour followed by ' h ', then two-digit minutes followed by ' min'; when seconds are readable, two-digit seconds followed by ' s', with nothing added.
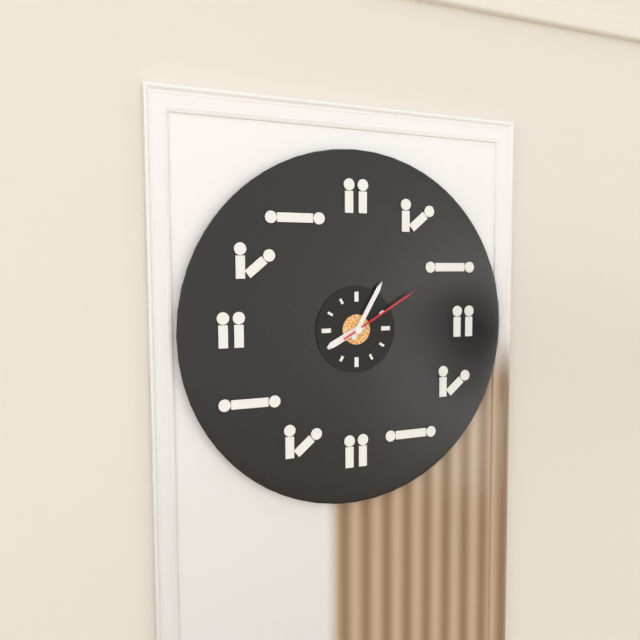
8 h 05 min 10 s
